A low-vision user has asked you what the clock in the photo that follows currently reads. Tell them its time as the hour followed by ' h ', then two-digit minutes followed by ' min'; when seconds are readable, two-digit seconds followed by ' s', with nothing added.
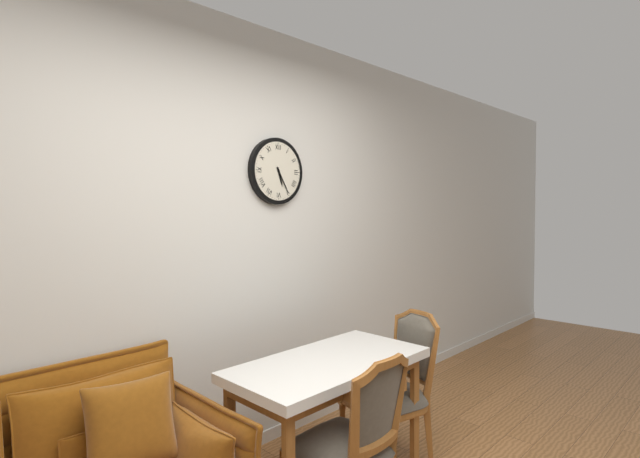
5 h 25 min
